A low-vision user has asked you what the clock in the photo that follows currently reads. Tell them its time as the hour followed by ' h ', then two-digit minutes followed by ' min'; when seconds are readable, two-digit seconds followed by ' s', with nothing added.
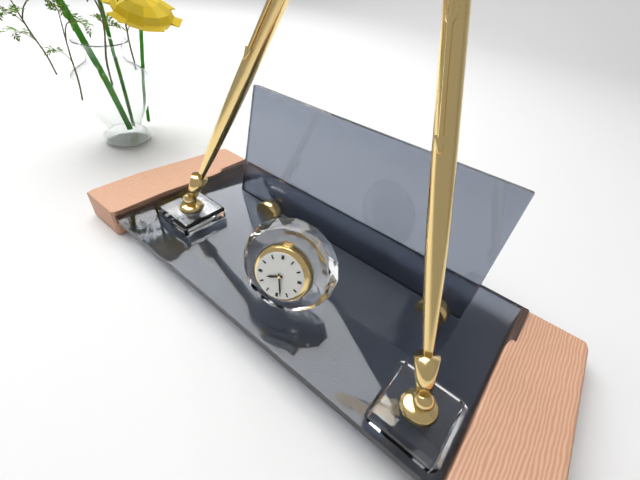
8 h 28 min
